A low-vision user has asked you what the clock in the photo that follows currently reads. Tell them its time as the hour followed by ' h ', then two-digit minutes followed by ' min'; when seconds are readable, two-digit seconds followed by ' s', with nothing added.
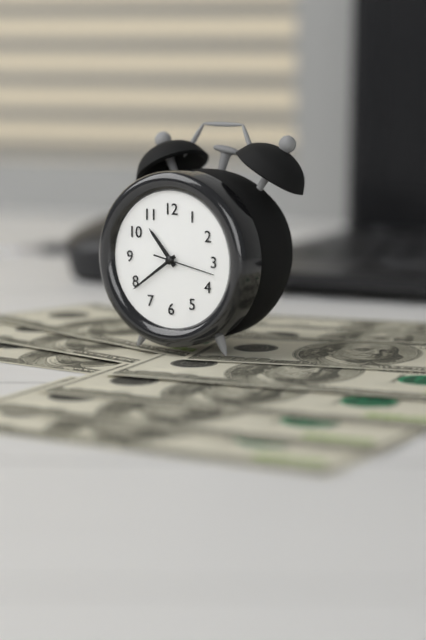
10 h 39 min 17 s
